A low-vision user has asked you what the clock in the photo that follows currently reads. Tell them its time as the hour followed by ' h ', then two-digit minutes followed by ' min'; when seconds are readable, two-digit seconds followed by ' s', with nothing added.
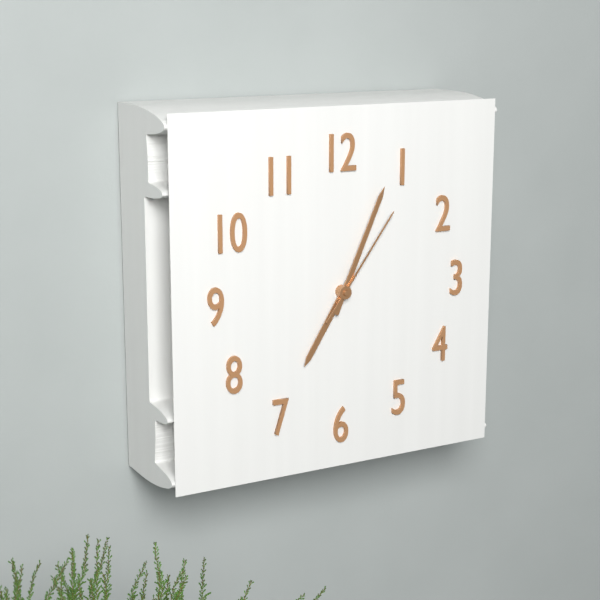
7 h 04 min 06 s
